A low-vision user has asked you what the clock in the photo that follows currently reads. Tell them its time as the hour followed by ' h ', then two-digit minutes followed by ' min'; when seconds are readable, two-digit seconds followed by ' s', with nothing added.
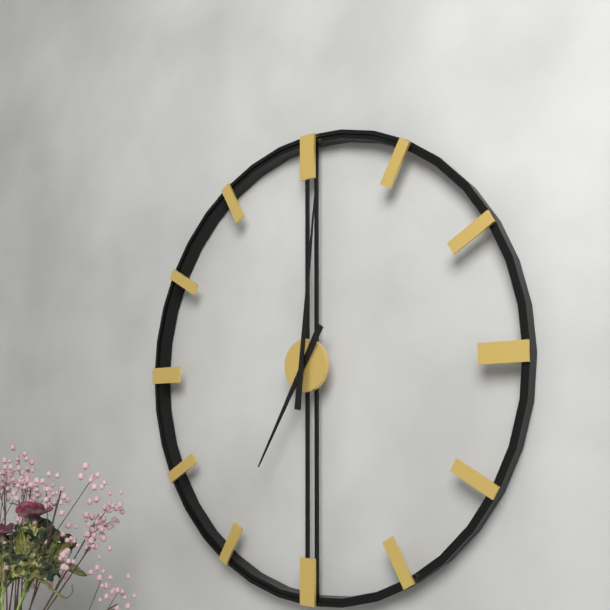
7 h 01 min
